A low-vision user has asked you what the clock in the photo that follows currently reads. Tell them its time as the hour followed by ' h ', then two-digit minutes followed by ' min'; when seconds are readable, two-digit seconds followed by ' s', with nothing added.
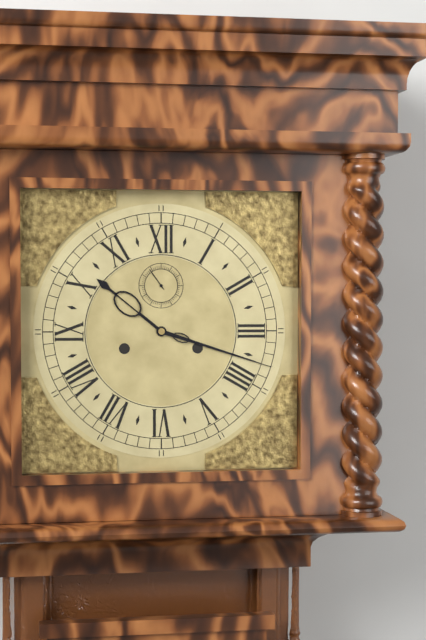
10 h 18 min
